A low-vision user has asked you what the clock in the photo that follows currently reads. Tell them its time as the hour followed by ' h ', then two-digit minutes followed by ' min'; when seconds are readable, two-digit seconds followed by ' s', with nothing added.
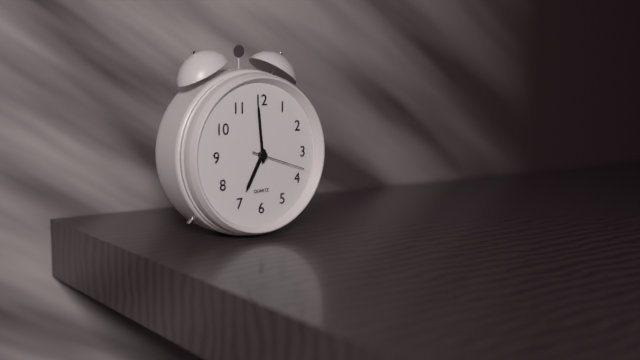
6 h 59 min 18 s
